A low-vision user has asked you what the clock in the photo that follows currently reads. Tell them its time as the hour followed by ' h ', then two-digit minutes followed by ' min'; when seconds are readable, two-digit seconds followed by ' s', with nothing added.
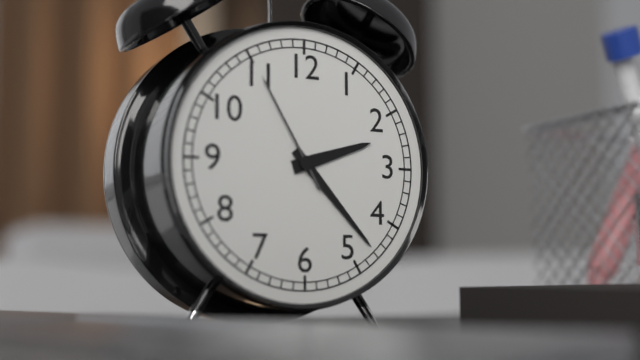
2 h 23 min 55 s
